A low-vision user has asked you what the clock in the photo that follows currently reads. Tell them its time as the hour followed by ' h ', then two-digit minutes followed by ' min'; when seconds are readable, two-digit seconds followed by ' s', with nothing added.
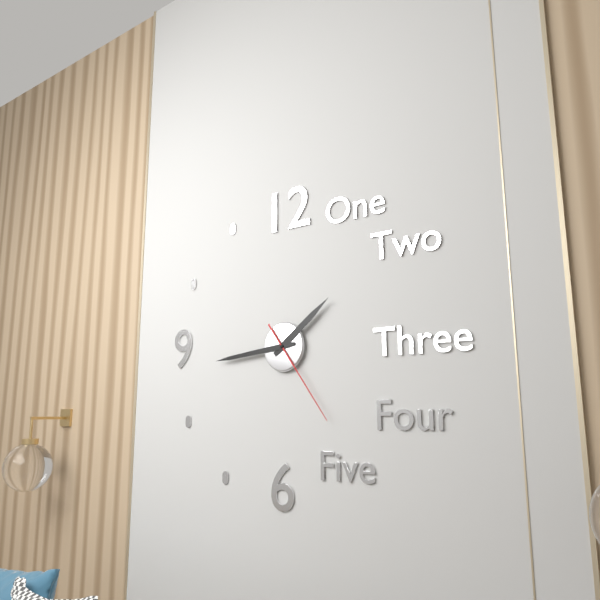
1 h 44 min 24 s
